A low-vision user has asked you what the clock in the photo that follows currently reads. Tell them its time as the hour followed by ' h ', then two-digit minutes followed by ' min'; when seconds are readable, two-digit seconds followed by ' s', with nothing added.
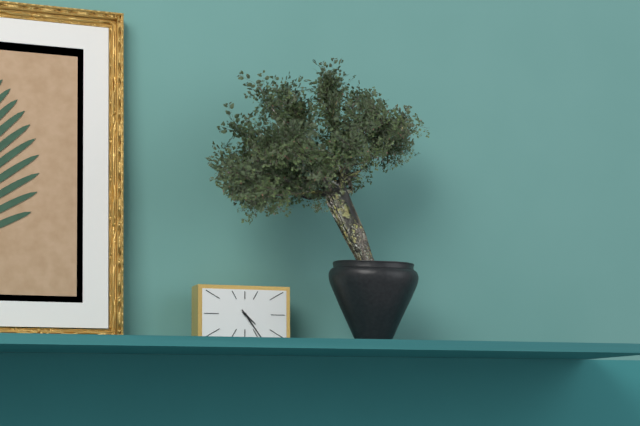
4 h 24 min
